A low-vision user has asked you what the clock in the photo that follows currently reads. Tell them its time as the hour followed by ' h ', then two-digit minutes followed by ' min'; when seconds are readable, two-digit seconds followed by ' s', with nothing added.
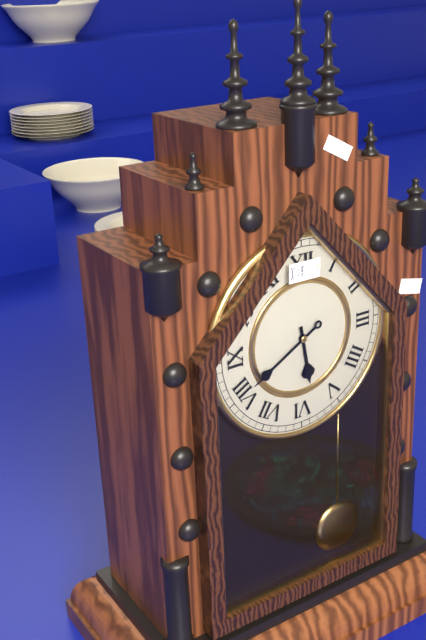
5 h 40 min
